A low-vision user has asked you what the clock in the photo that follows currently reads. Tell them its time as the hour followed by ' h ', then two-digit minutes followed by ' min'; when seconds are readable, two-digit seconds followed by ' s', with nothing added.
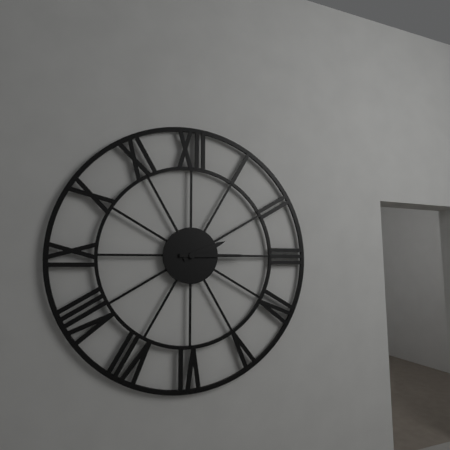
2 h 15 min
